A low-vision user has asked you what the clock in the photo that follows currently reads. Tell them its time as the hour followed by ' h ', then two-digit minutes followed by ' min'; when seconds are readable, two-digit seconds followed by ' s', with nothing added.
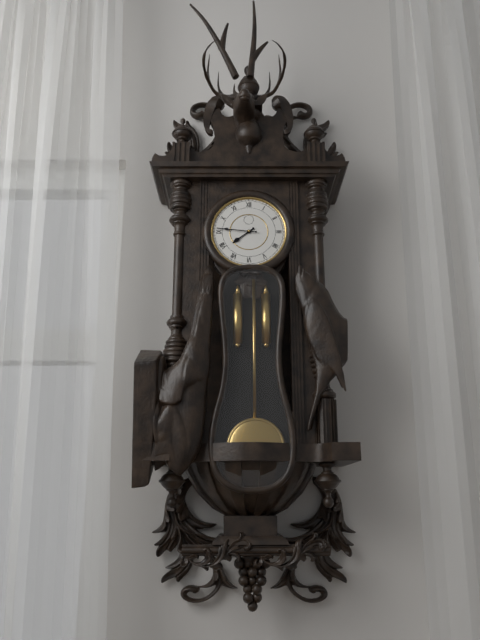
7 h 46 min
